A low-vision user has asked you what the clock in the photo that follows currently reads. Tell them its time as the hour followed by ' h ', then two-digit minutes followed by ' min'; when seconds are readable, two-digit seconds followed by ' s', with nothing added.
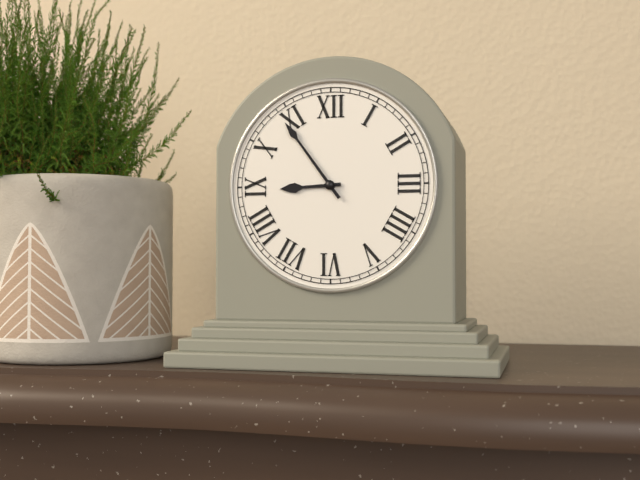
8 h 54 min
